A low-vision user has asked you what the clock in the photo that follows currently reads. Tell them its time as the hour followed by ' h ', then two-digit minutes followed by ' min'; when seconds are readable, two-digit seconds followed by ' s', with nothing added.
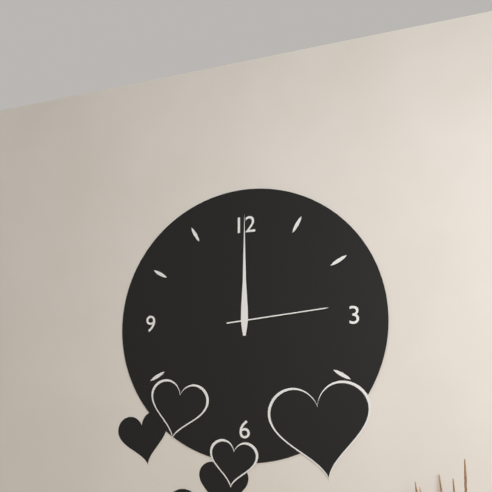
12 h 00 min 14 s
